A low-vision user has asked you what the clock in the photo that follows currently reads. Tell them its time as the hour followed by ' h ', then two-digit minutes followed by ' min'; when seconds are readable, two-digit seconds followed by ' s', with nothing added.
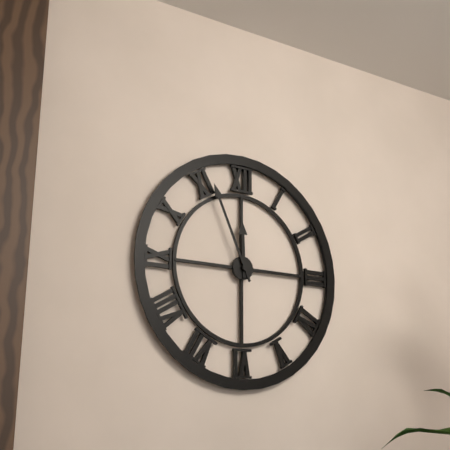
11 h 56 min
